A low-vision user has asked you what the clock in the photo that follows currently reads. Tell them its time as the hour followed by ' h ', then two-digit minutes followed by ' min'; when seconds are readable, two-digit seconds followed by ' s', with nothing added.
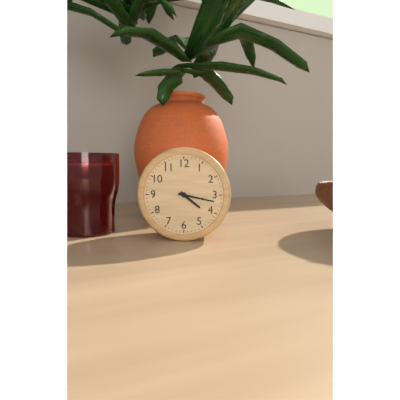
4 h 17 min
